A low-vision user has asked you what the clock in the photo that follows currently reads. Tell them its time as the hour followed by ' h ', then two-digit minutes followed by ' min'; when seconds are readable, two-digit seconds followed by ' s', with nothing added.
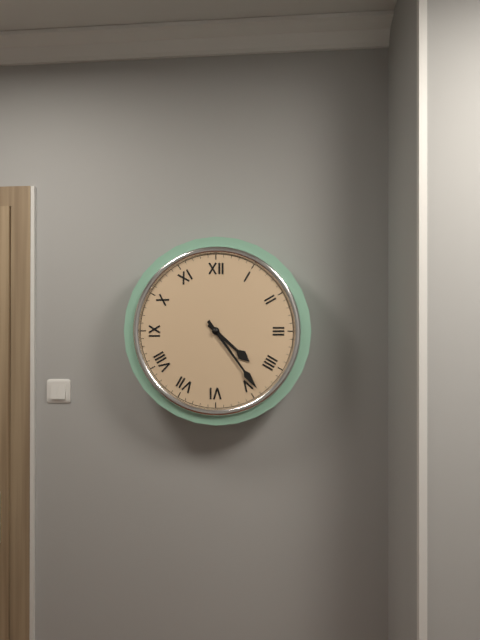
4 h 24 min
